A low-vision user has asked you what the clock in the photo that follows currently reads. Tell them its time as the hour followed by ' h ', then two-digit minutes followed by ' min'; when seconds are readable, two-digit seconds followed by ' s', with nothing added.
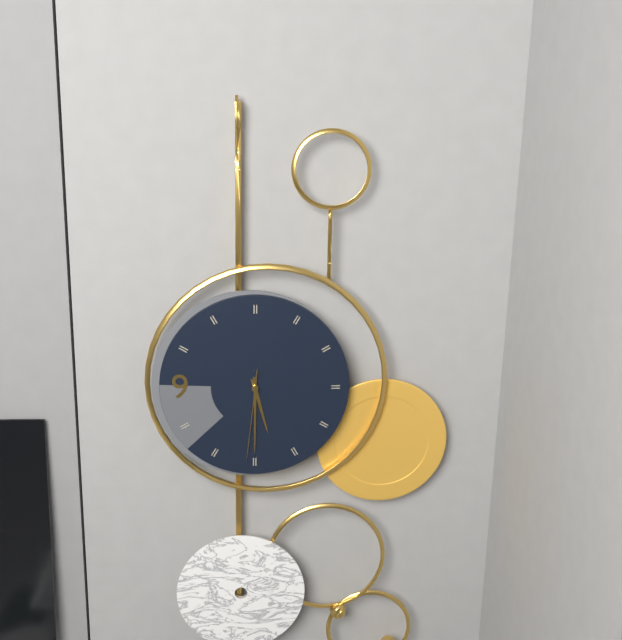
5 h 30 min 31 s
